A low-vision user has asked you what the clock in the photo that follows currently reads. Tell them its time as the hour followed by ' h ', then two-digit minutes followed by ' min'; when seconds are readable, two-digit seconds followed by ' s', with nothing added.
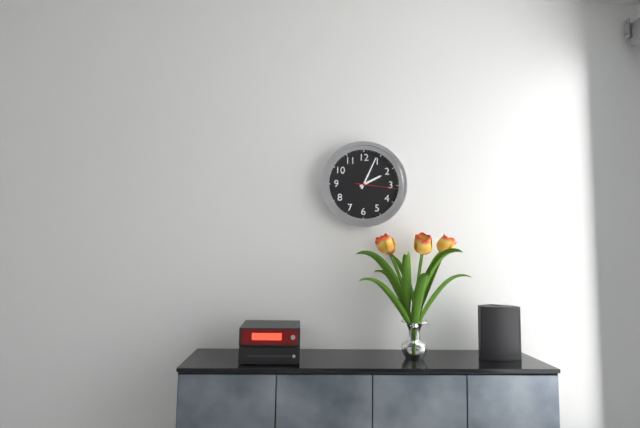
2 h 04 min
